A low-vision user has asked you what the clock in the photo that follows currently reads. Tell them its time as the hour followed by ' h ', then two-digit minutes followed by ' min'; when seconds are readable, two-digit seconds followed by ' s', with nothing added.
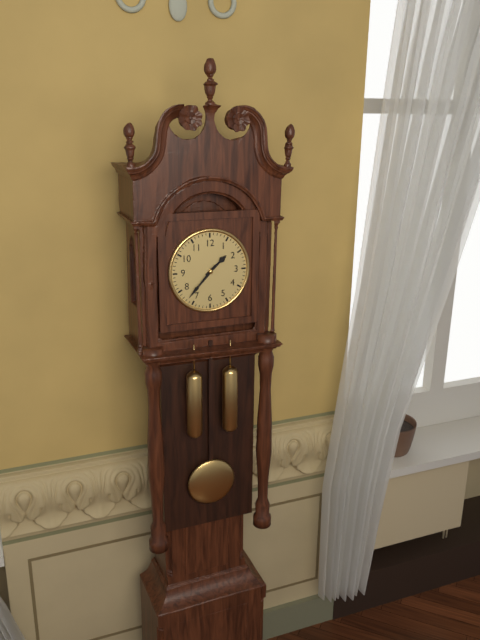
1 h 37 min
